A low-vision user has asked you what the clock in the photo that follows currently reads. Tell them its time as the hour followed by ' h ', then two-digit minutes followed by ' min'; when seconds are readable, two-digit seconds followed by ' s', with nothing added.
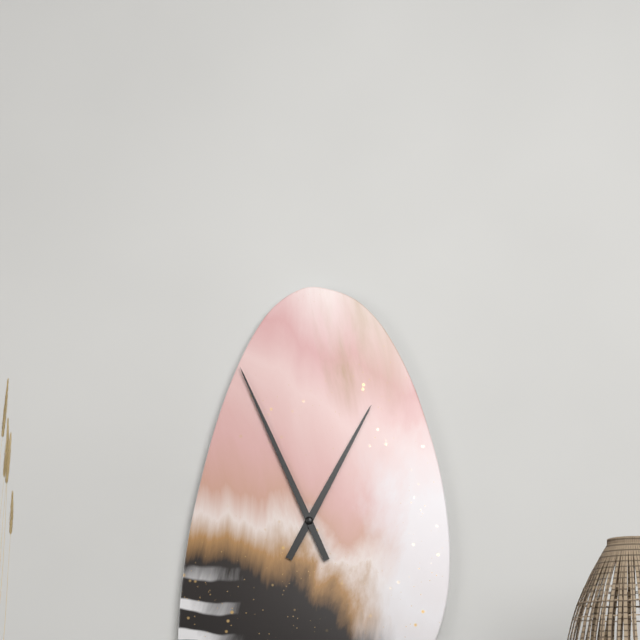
12 h 56 min
